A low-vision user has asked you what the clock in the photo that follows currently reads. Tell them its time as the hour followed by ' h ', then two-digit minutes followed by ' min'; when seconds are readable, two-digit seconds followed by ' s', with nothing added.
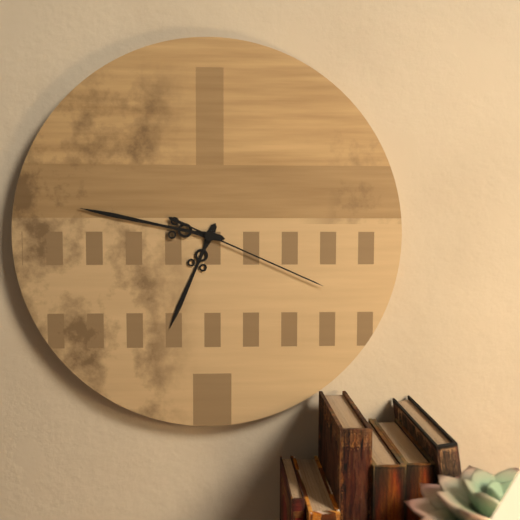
6 h 47 min 19 s
